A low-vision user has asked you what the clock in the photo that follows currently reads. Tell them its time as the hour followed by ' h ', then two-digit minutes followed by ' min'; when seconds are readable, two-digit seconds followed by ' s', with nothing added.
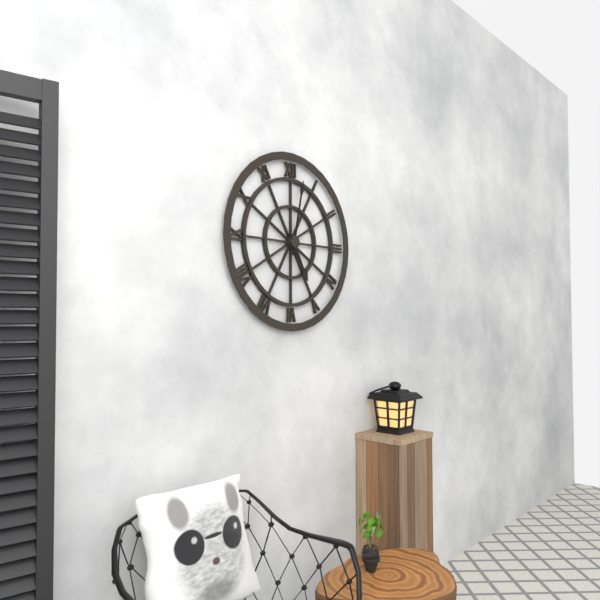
5 h 02 min
